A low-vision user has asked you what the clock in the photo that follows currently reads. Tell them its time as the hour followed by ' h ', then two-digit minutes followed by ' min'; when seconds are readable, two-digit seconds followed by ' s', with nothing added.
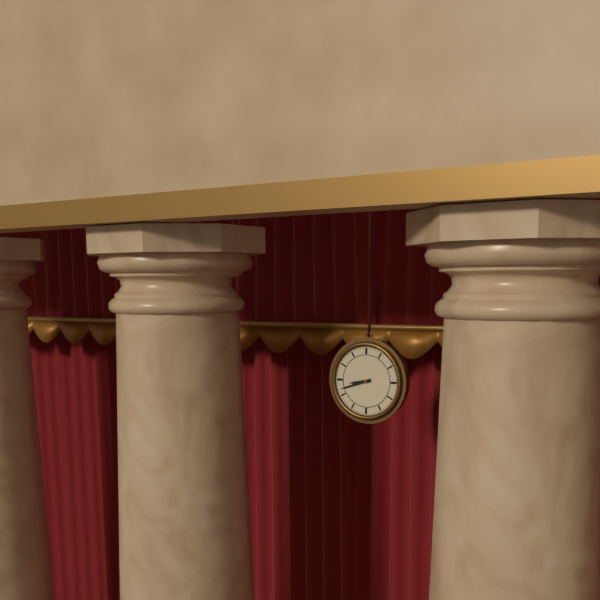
8 h 42 min
